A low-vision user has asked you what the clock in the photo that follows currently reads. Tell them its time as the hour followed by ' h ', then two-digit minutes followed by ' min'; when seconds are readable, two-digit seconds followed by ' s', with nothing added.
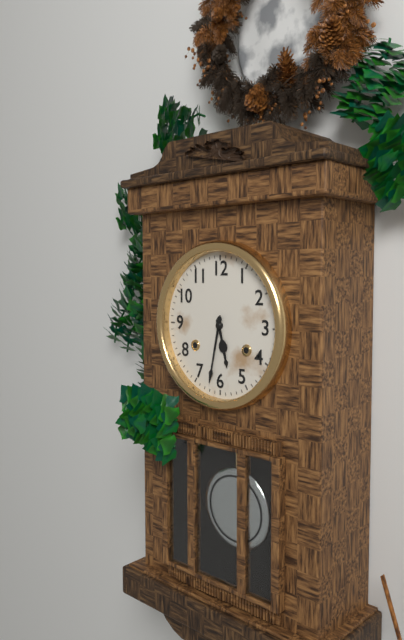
5 h 32 min
